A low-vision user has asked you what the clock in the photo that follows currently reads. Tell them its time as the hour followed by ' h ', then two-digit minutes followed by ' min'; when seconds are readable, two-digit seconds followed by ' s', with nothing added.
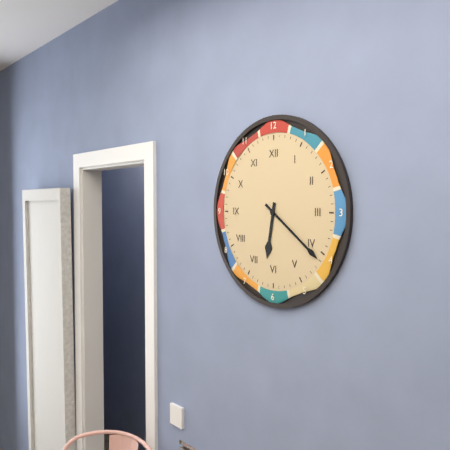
6 h 21 min
